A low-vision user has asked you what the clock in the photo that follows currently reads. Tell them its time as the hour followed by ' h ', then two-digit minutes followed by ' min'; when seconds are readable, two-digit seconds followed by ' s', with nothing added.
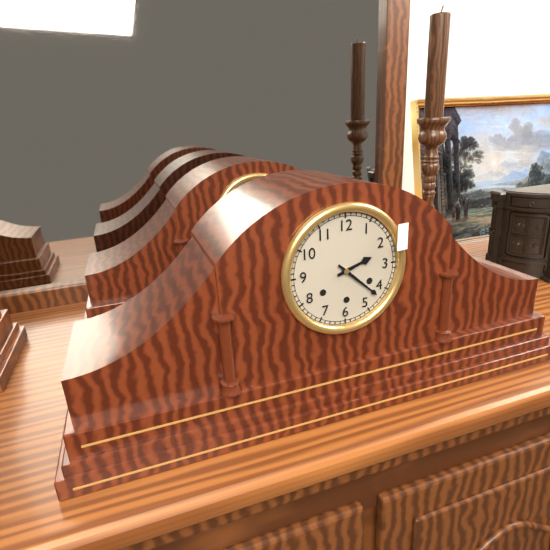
2 h 22 min
